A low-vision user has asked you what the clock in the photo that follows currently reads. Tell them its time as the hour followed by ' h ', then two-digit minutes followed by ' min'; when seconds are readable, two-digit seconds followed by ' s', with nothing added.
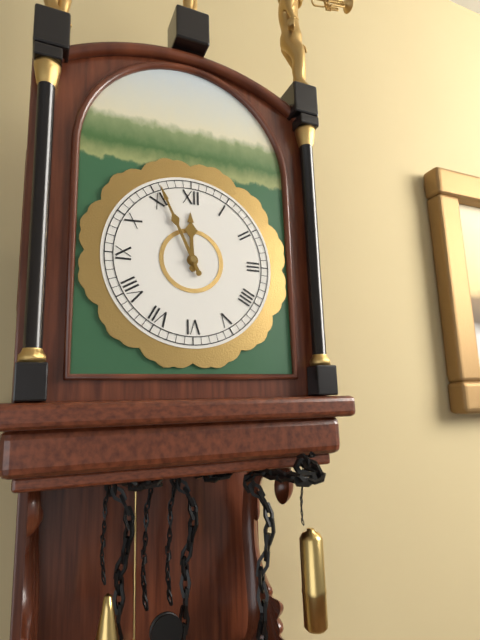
11 h 56 min
